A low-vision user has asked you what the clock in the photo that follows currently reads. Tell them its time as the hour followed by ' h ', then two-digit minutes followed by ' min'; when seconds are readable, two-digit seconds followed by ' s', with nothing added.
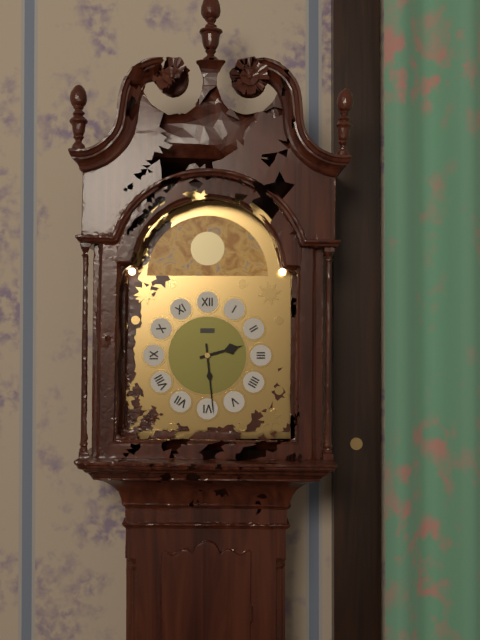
2 h 29 min
